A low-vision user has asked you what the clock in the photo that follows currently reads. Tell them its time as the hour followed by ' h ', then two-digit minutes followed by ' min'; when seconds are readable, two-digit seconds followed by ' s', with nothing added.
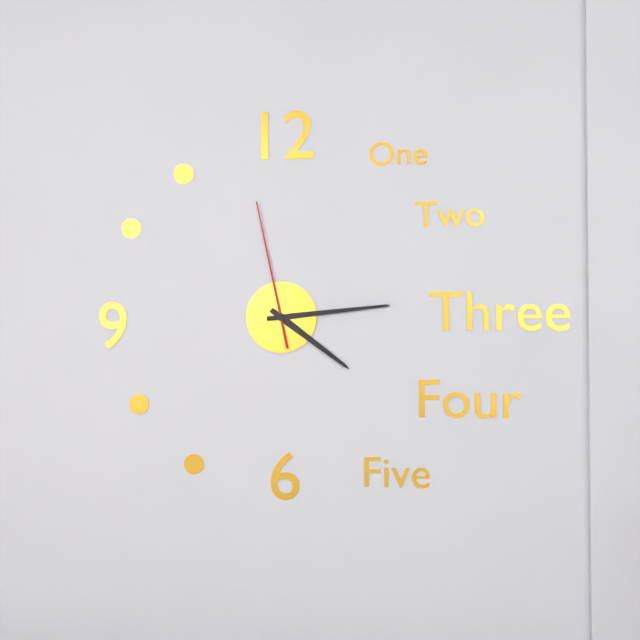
4 h 14 min 58 s
